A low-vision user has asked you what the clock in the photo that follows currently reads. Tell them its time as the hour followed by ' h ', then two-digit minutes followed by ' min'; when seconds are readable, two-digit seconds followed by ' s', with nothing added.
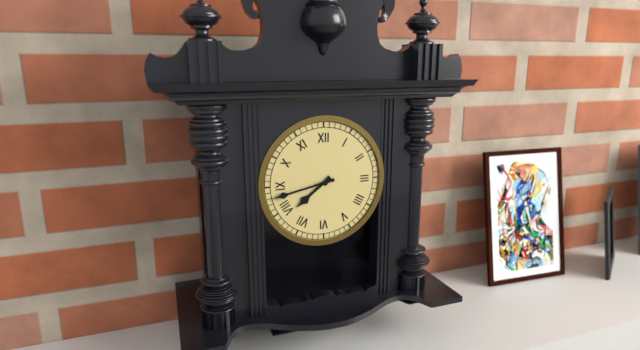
7 h 43 min
